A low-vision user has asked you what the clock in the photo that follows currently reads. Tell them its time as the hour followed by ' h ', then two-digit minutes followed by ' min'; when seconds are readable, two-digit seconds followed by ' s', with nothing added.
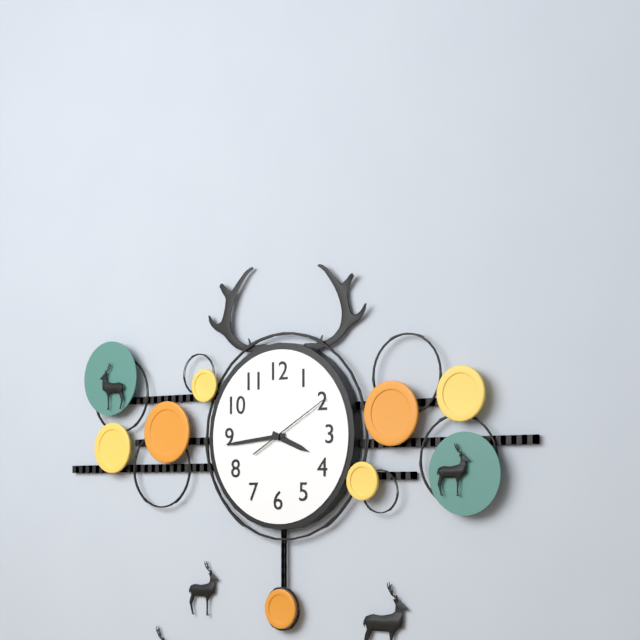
3 h 44 min 10 s
